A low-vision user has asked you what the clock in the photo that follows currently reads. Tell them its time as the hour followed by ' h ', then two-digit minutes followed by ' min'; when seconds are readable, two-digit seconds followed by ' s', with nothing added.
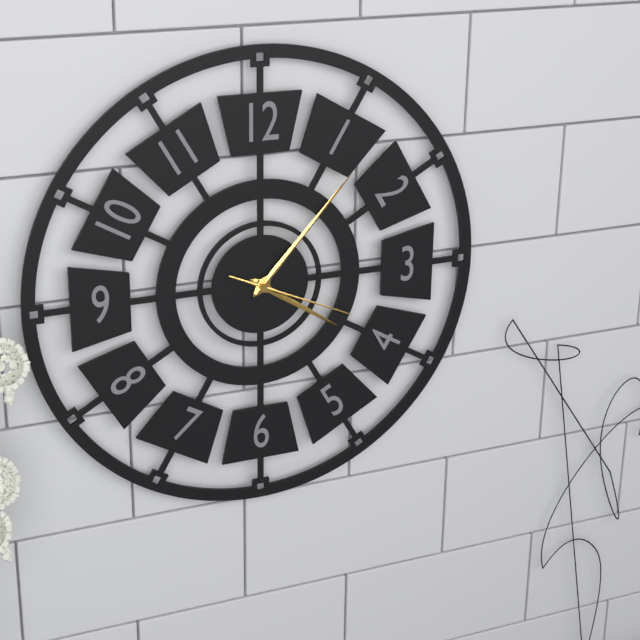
4 h 07 min 19 s
